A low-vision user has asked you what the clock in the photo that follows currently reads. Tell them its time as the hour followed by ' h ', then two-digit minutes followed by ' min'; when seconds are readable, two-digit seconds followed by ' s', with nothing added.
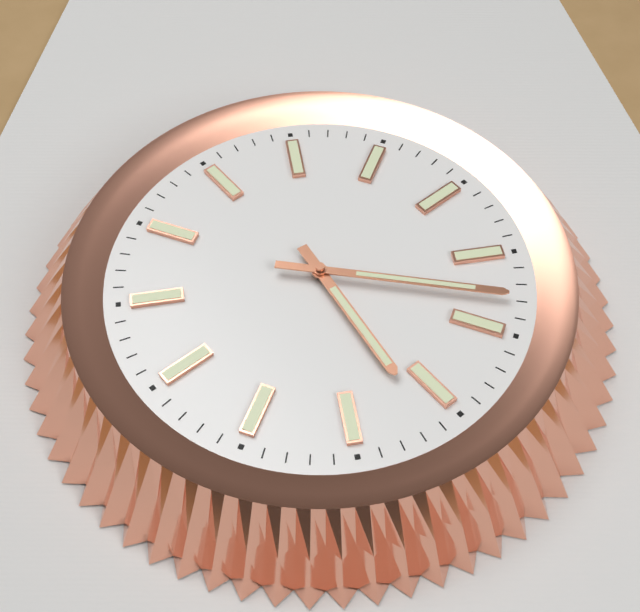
5 h 18 min
